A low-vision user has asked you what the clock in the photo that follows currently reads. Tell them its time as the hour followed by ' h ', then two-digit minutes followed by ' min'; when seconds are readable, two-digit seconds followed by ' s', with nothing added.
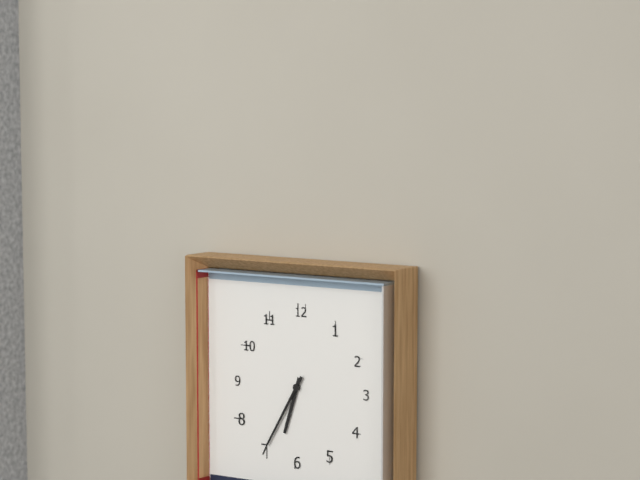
6 h 35 min
